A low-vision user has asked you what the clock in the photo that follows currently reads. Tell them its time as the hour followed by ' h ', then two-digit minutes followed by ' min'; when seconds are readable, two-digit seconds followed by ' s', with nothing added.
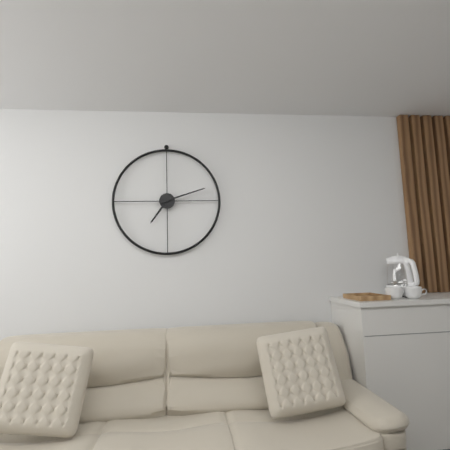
7 h 12 min
